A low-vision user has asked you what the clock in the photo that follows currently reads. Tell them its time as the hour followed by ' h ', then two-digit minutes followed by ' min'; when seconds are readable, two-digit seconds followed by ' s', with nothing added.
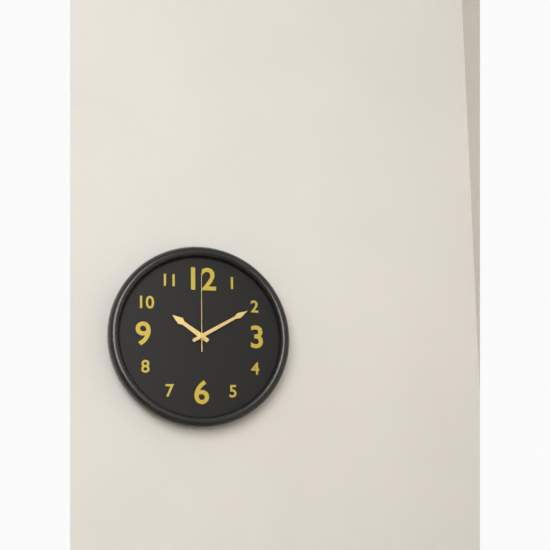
10 h 10 min 00 s
